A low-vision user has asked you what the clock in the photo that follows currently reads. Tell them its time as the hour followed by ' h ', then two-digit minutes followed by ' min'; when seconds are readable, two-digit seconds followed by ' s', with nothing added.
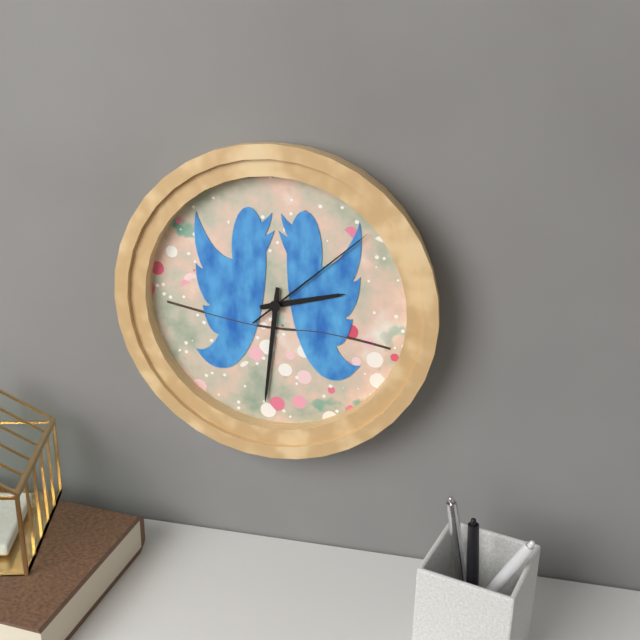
2 h 31 min 08 s
